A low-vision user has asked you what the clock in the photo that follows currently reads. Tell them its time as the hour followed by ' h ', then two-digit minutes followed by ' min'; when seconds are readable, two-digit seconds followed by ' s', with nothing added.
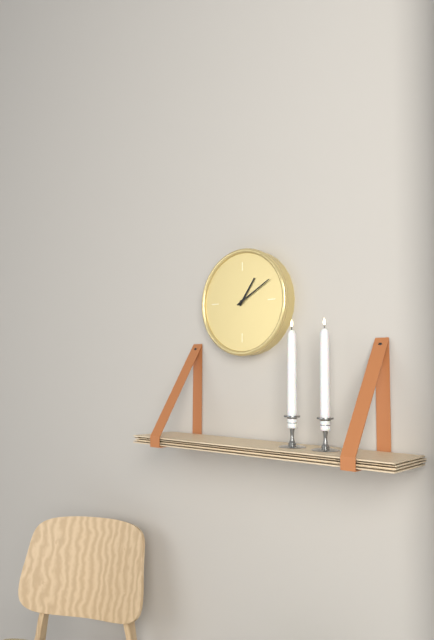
1 h 10 min
